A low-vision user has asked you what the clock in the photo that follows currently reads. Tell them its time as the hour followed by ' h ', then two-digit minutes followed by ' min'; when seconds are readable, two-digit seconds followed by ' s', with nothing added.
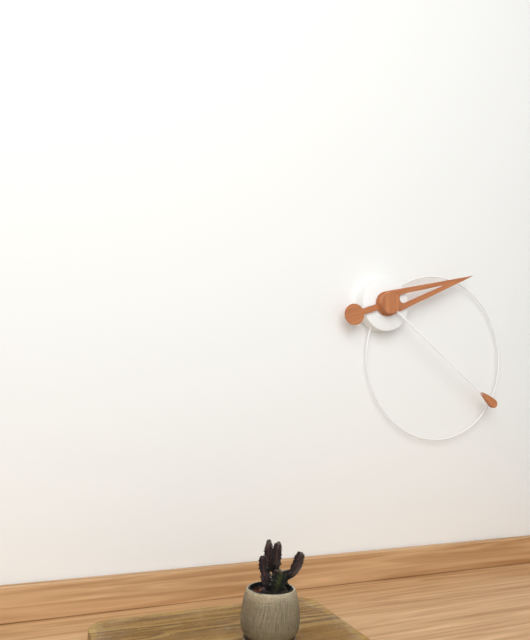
2 h 21 min
